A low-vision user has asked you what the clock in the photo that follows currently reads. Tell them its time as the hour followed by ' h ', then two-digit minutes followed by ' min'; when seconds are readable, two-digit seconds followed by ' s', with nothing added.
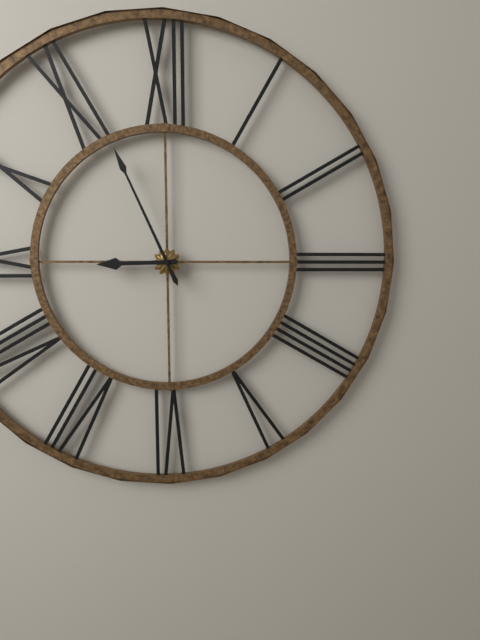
8 h 56 min
